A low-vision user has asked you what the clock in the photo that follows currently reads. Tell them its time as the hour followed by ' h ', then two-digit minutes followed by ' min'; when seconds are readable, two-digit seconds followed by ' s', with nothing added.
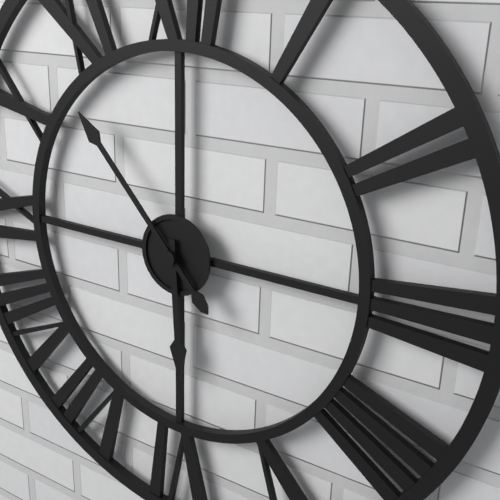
5 h 53 min
